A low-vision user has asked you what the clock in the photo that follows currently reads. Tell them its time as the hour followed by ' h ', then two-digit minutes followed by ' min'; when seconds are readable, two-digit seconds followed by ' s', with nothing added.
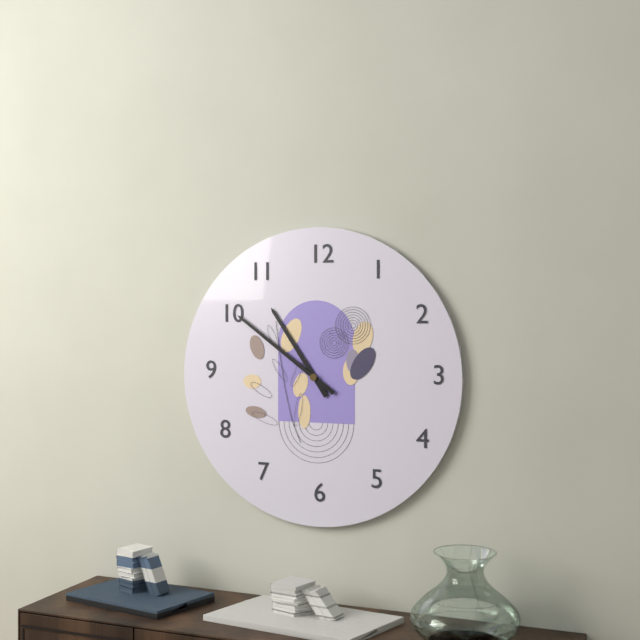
10 h 51 min
